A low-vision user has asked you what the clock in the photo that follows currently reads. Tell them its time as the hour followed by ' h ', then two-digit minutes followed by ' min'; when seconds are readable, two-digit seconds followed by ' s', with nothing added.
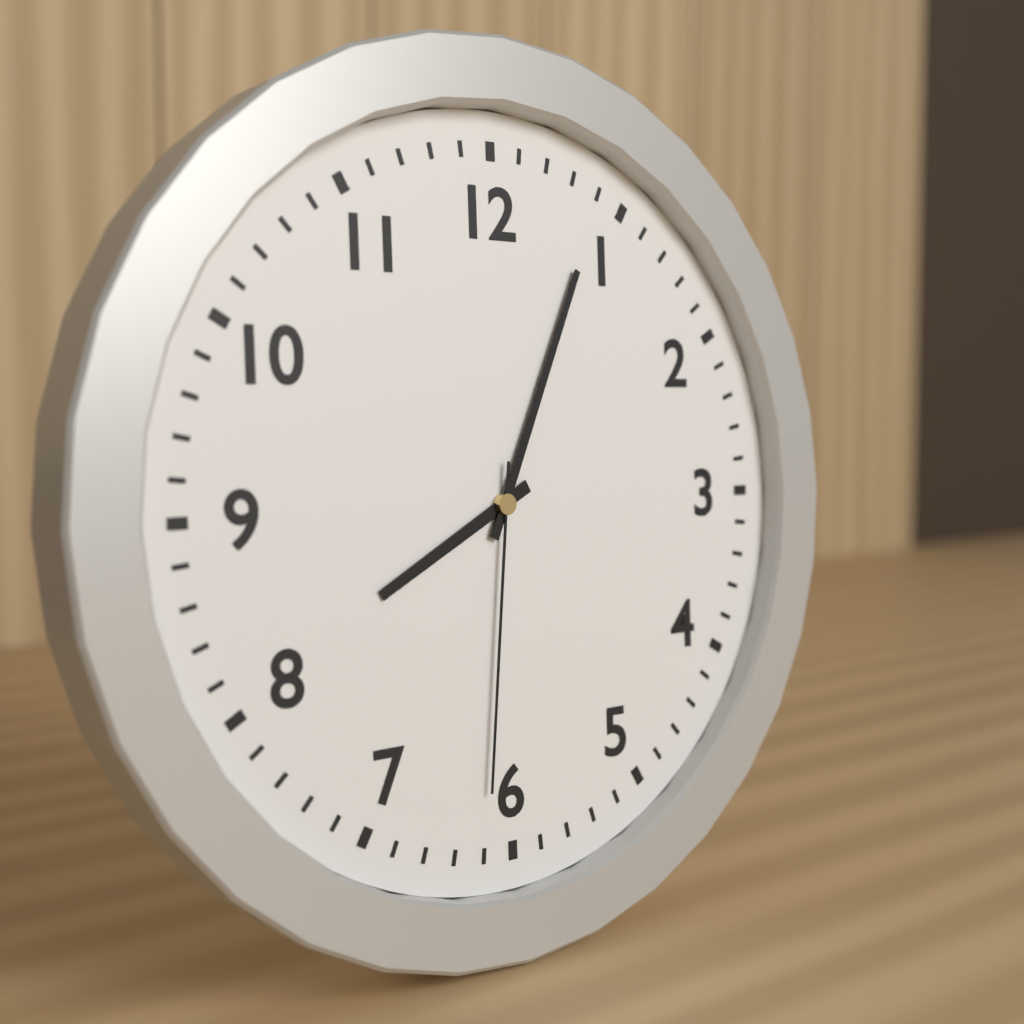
8 h 04 min 31 s
